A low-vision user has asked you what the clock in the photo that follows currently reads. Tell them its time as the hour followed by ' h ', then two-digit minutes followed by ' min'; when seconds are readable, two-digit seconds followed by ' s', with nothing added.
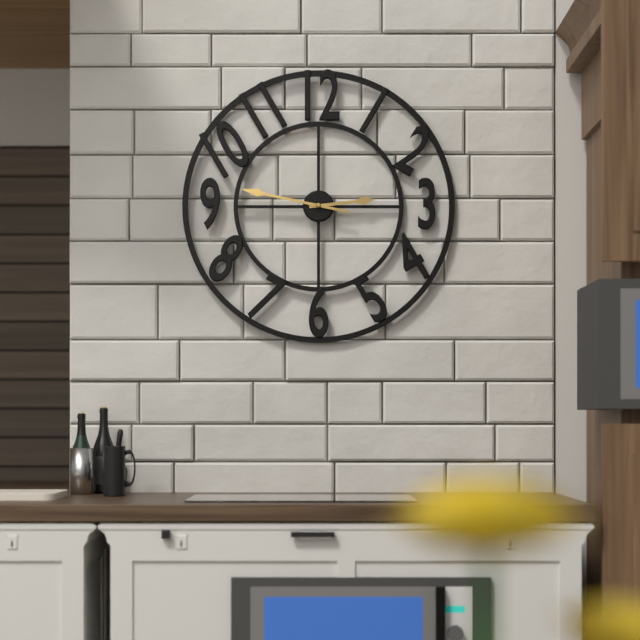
2 h 47 min
